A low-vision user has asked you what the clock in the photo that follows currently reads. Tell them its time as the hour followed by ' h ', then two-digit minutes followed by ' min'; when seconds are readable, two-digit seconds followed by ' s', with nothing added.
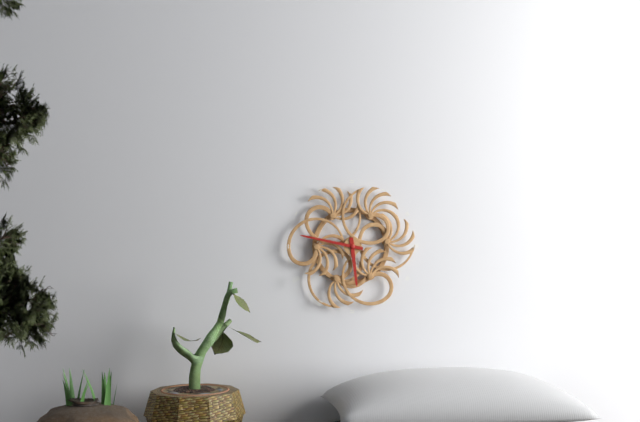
5 h 47 min
